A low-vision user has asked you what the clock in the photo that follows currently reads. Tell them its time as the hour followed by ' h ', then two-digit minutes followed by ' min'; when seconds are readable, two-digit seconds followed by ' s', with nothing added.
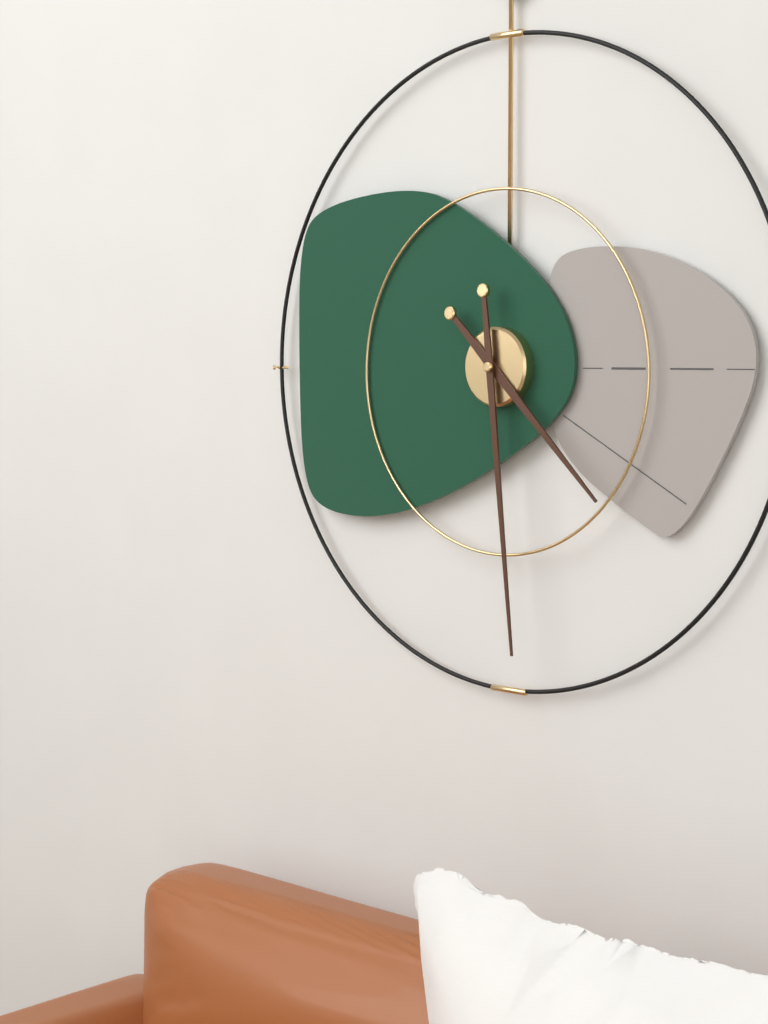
4 h 29 min
